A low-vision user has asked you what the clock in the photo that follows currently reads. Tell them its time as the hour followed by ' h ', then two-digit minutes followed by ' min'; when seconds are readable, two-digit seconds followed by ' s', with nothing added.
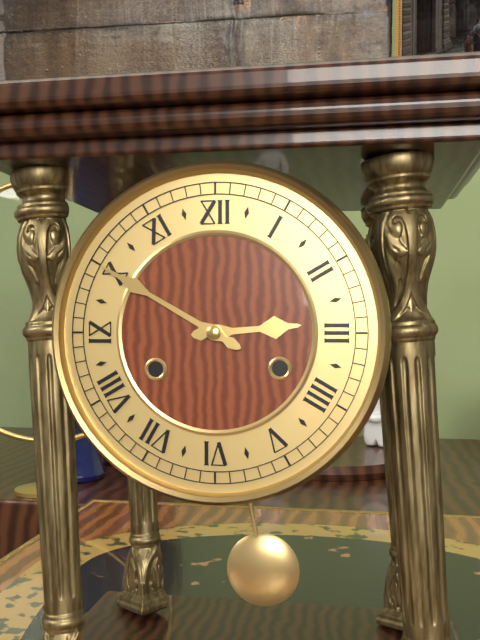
2 h 50 min
